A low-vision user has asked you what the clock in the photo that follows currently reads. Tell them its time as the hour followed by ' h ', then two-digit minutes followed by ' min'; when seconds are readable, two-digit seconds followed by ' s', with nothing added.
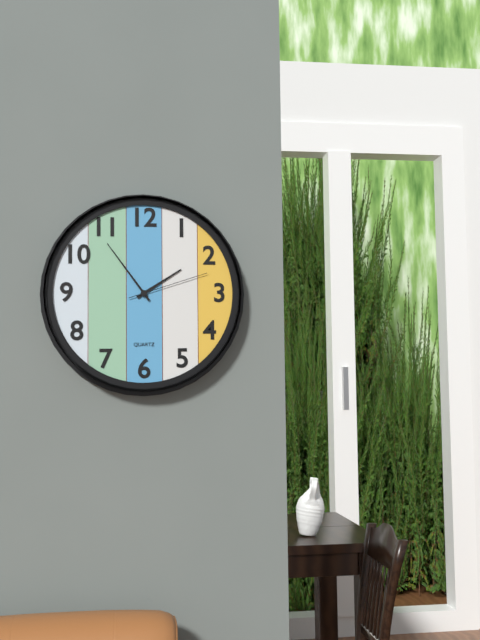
1 h 54 min 12 s
